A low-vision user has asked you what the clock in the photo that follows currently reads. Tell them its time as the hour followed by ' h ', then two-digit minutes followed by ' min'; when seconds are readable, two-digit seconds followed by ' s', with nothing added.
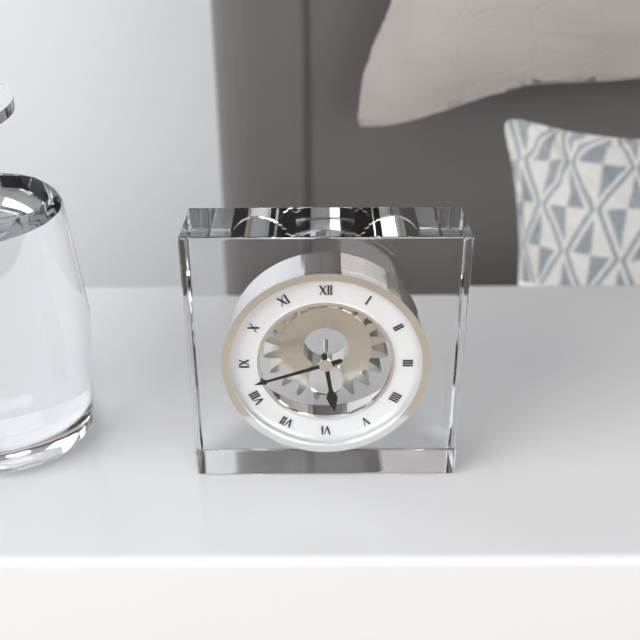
5 h 42 min
